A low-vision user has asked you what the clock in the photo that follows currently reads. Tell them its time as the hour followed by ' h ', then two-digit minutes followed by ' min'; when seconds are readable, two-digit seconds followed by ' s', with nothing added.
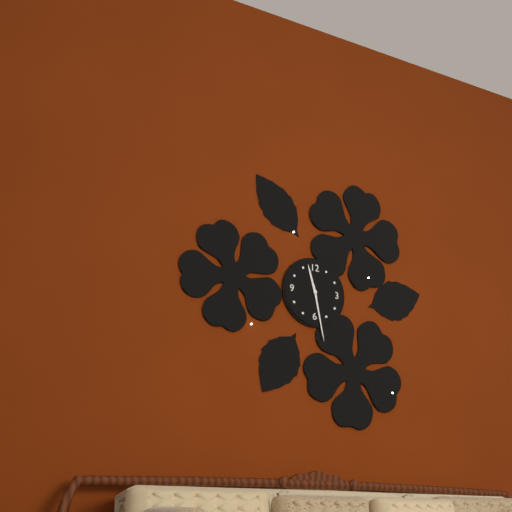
11 h 28 min
